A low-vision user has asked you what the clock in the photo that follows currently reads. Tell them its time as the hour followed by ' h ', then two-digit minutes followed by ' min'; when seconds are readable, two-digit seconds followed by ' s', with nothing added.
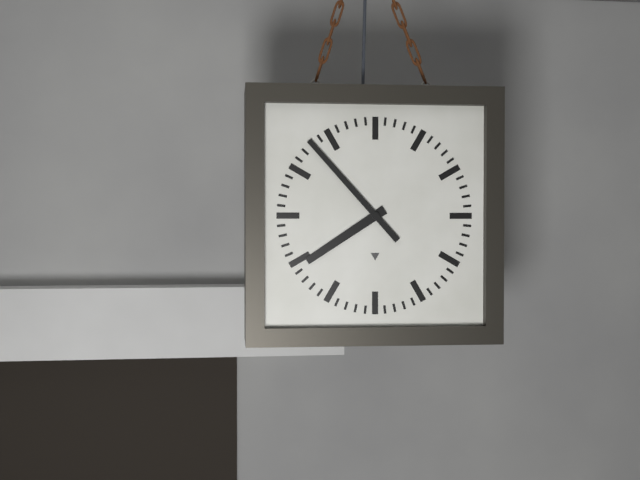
7 h 53 min
